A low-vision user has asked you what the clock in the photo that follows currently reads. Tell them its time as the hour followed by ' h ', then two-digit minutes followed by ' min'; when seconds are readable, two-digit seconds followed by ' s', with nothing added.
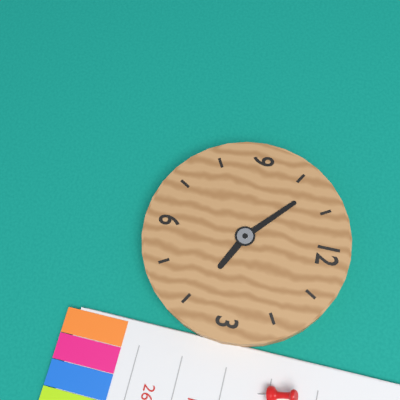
3 h 52 min
